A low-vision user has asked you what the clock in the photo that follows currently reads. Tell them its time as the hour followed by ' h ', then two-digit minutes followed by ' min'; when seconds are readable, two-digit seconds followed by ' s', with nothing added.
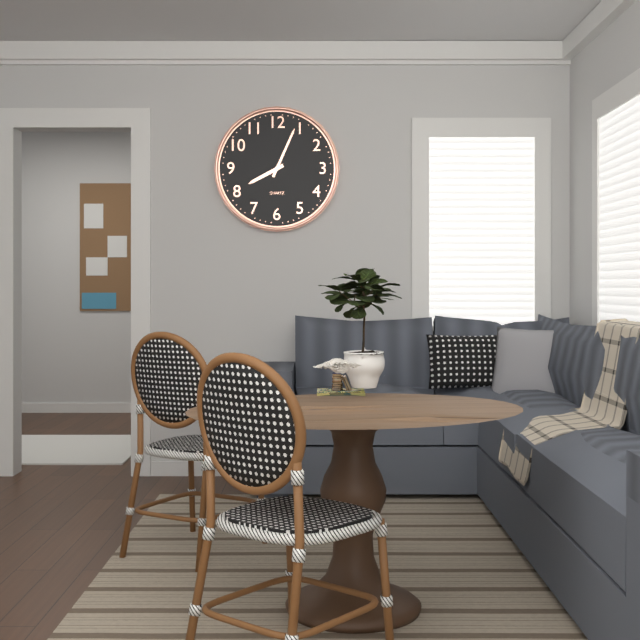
8 h 04 min
